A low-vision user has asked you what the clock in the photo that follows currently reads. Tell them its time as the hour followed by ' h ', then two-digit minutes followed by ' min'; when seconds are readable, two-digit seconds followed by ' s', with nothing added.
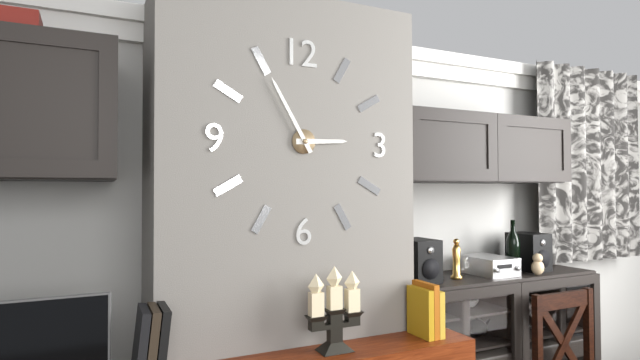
2 h 55 min
